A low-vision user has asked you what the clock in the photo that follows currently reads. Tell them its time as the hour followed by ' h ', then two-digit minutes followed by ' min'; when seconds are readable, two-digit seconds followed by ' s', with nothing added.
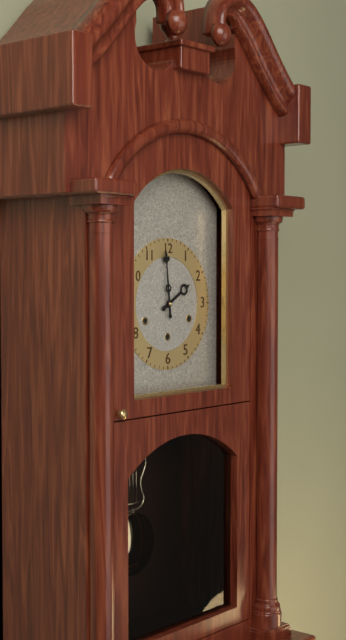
1 h 59 min
